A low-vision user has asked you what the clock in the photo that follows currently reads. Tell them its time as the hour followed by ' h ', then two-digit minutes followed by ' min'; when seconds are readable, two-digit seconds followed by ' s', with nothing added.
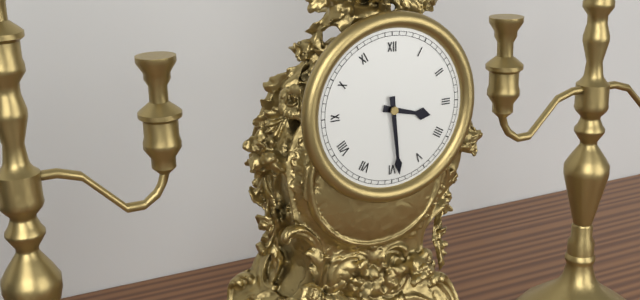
3 h 29 min
